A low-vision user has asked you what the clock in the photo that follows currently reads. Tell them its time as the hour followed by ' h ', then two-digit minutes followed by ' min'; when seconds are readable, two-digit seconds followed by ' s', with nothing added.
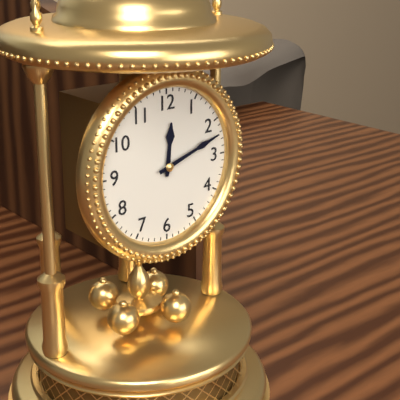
12 h 12 min
